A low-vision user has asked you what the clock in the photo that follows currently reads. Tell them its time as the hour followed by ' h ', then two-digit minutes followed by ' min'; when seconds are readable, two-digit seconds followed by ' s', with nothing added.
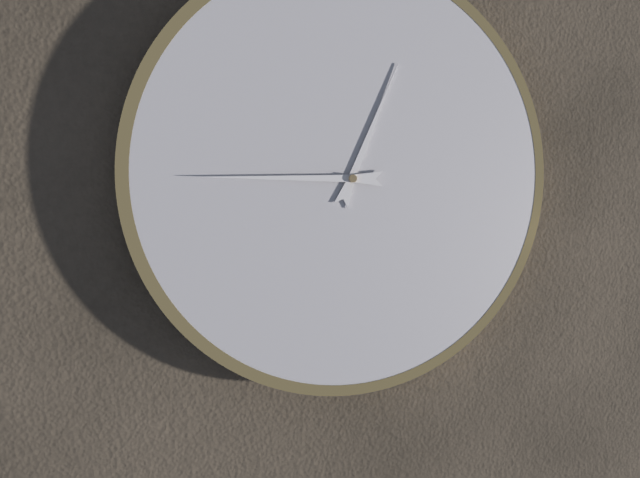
12 h 45 min
